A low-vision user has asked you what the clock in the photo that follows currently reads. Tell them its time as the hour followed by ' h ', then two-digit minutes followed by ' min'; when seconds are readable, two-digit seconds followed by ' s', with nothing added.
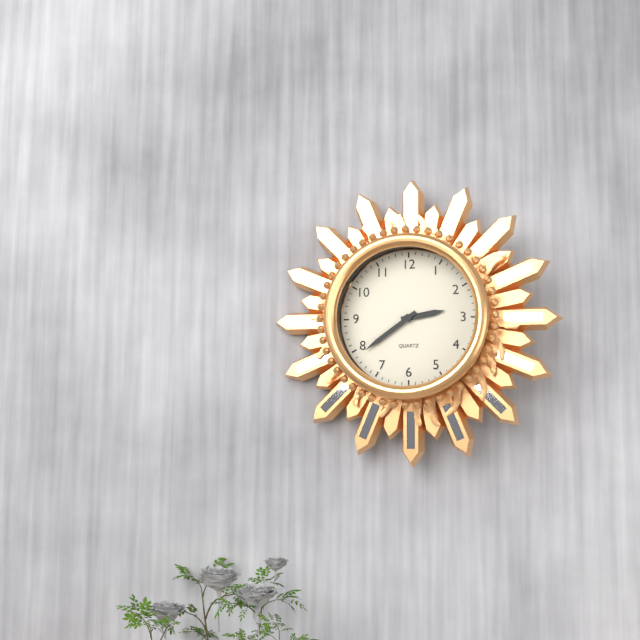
2 h 39 min
